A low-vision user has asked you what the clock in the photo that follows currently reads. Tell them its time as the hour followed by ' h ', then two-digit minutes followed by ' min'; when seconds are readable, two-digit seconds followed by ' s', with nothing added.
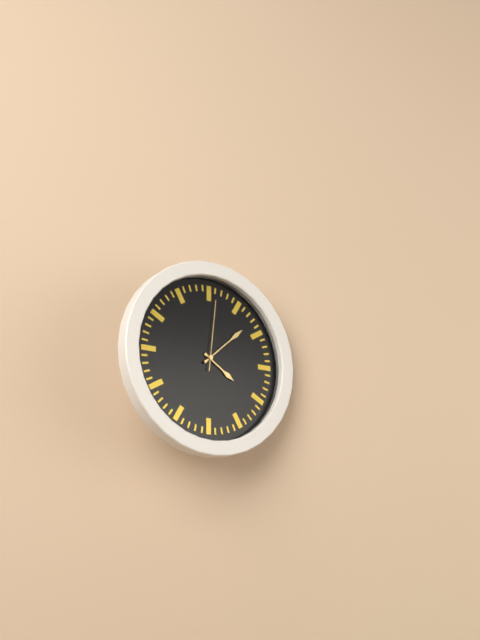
4 h 08 min 01 s
